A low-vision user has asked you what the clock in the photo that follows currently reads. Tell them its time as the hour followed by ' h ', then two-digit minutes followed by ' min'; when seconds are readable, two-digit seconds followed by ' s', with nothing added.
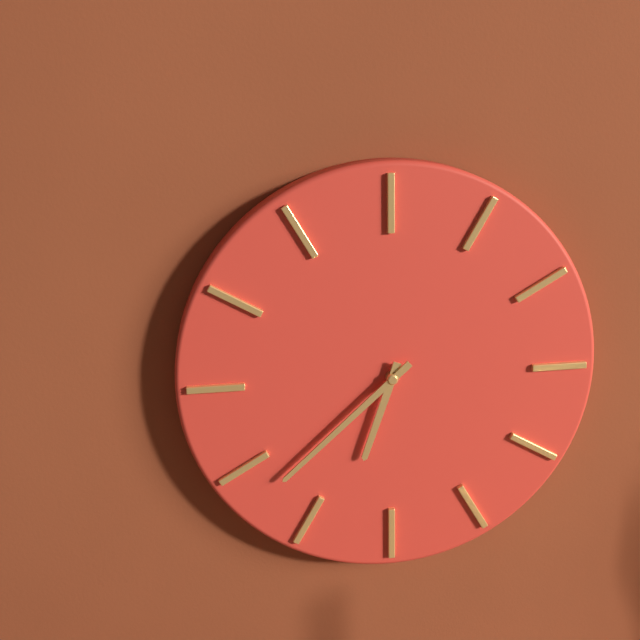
6 h 38 min
